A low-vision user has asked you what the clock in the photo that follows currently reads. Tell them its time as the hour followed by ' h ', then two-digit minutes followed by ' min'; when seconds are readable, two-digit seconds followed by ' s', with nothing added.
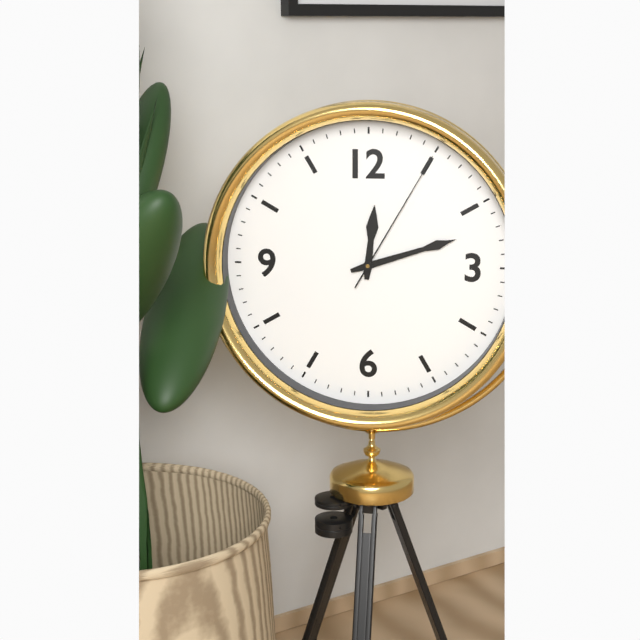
12 h 12 min 05 s
